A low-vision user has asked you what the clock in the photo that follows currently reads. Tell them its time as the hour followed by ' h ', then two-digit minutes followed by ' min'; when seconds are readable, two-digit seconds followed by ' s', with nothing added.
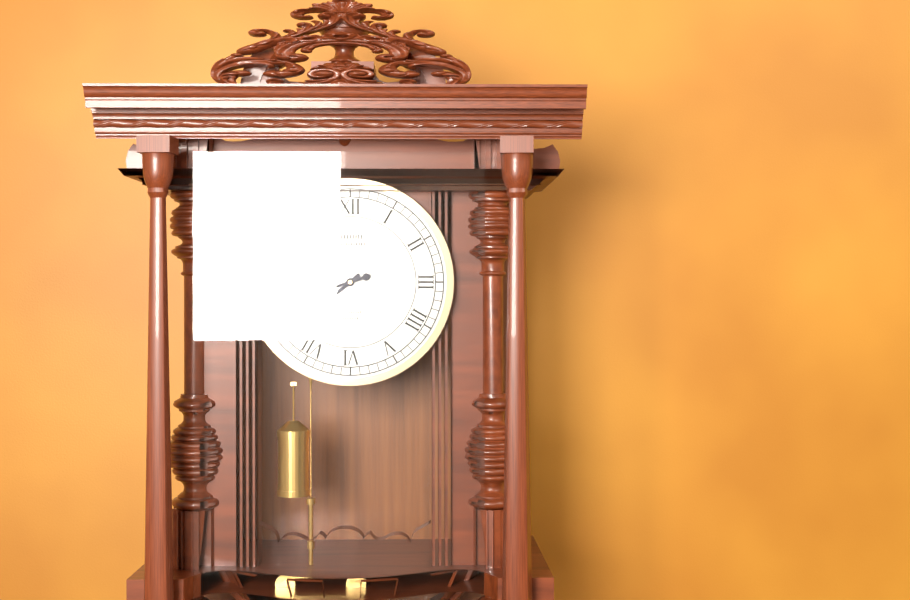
7 h 42 min
